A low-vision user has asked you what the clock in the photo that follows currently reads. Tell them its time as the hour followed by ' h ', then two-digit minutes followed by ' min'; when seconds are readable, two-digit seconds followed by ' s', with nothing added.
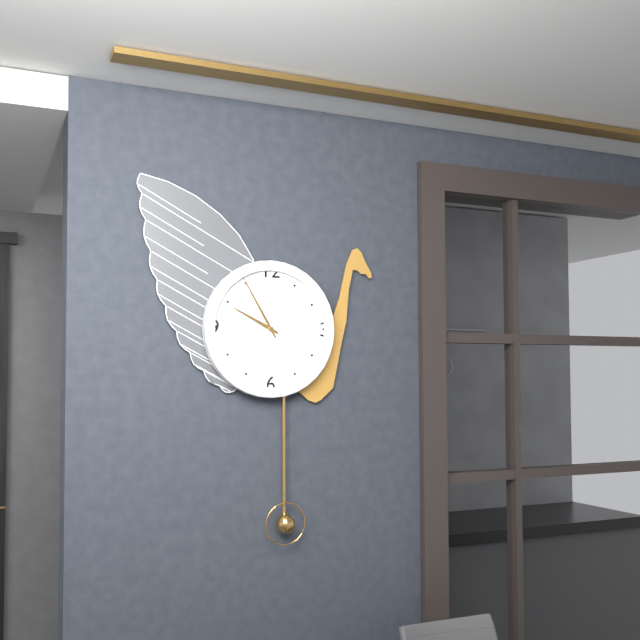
9 h 55 min
